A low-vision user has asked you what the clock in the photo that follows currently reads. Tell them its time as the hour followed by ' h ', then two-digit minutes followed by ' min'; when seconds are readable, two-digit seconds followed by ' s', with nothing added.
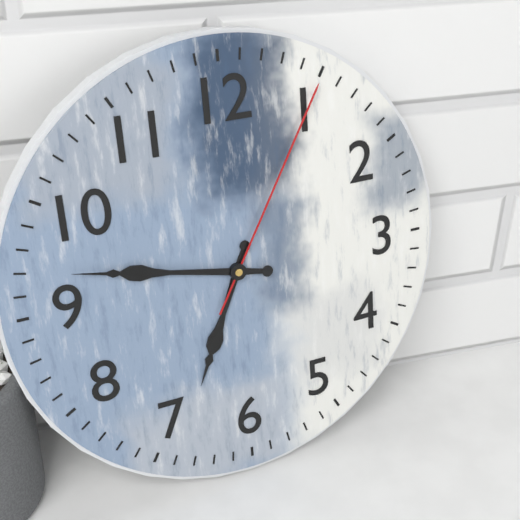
6 h 47 min 05 s
